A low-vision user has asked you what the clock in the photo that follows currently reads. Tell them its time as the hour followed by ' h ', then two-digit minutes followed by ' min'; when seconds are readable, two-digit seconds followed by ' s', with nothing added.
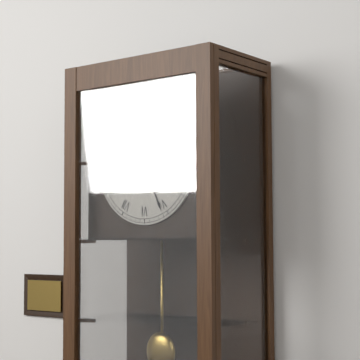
4 h 26 min
